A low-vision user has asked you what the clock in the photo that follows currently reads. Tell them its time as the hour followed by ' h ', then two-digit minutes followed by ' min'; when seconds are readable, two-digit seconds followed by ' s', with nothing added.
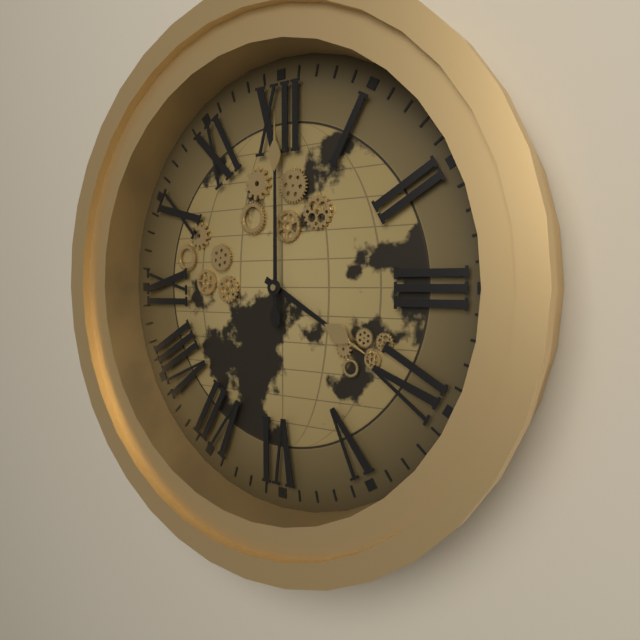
4 h 00 min
